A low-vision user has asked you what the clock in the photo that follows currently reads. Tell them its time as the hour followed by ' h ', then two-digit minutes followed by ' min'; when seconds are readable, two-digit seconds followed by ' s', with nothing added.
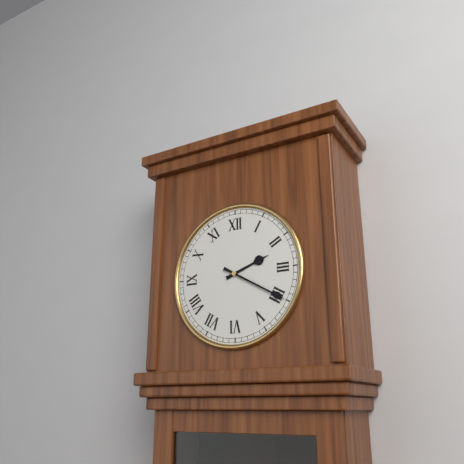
2 h 20 min
